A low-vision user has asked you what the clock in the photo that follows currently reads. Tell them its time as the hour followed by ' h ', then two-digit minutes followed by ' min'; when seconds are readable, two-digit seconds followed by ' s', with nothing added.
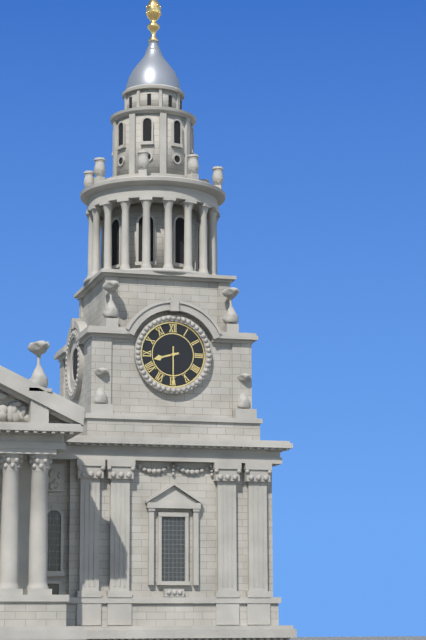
8 h 30 min
